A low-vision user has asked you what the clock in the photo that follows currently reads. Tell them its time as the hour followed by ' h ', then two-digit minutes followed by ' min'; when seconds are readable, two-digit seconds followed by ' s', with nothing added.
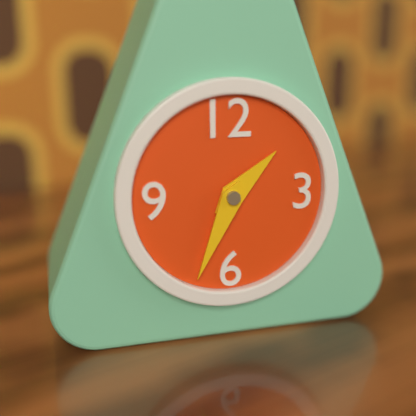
1 h 34 min
